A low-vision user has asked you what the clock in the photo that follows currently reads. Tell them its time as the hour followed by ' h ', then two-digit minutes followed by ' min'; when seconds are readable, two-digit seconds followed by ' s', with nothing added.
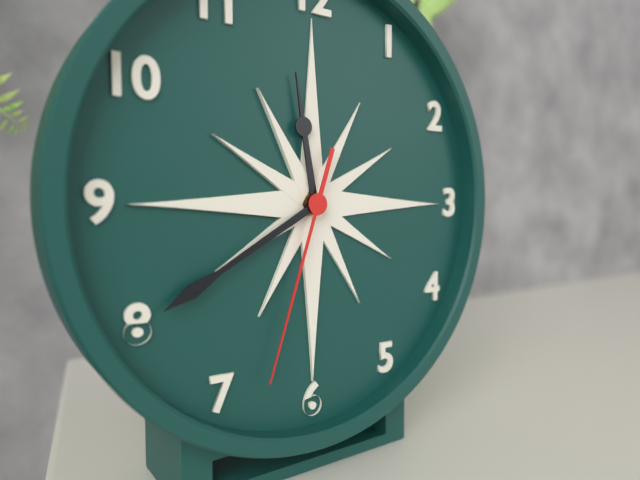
11 h 40 min 33 s
